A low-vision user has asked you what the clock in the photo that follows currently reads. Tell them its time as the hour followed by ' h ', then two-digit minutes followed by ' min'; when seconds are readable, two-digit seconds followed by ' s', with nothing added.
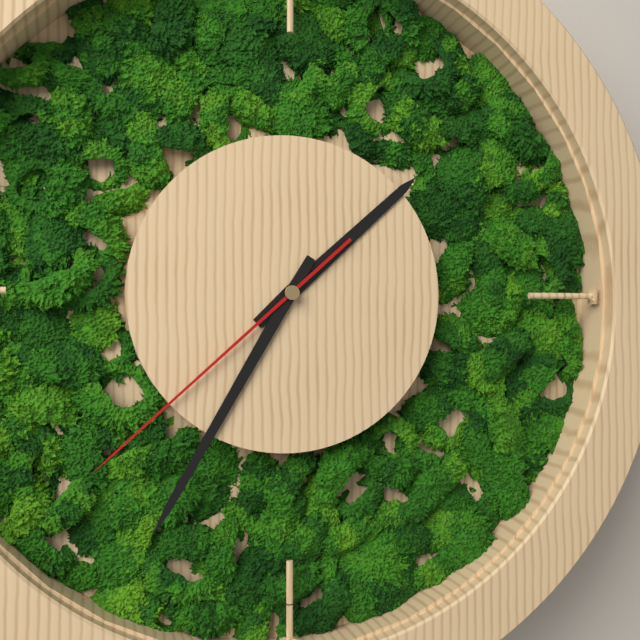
1 h 35 min 38 s
